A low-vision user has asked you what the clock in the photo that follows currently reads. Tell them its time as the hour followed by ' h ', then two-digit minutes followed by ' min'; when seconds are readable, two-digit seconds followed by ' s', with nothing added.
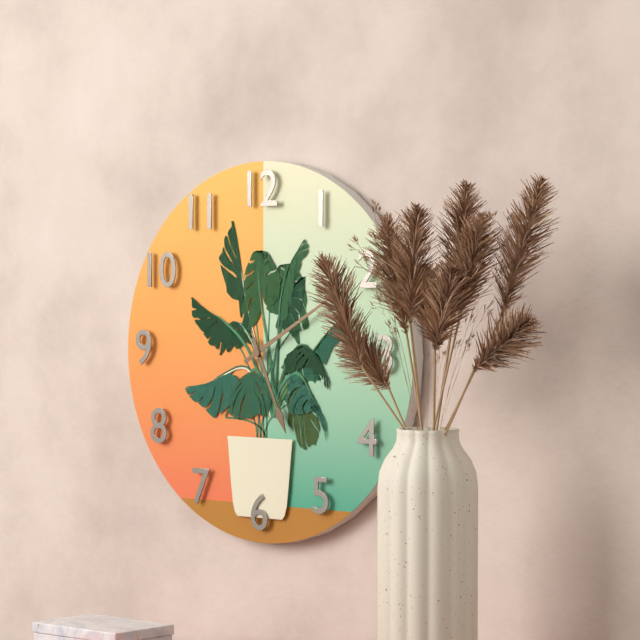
5 h 10 min
